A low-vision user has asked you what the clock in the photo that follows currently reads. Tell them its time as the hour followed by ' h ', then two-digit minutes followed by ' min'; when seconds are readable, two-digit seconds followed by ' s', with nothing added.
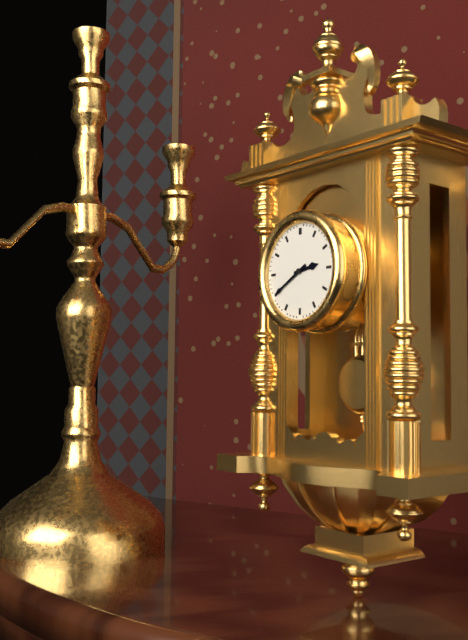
2 h 40 min
